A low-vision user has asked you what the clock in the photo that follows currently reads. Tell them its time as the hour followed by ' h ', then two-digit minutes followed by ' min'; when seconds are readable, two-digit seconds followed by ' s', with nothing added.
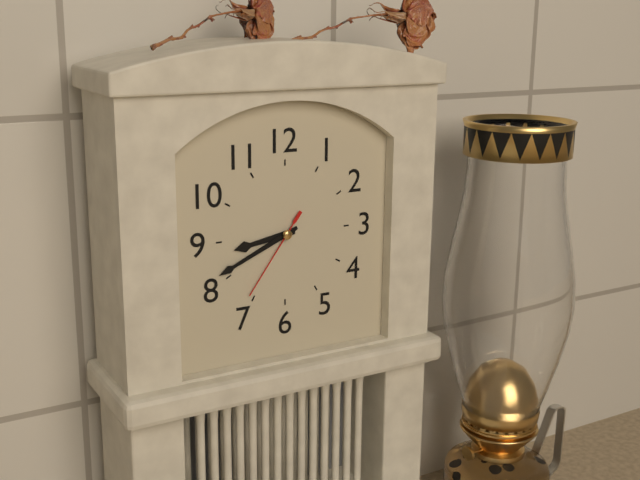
8 h 41 min 36 s
